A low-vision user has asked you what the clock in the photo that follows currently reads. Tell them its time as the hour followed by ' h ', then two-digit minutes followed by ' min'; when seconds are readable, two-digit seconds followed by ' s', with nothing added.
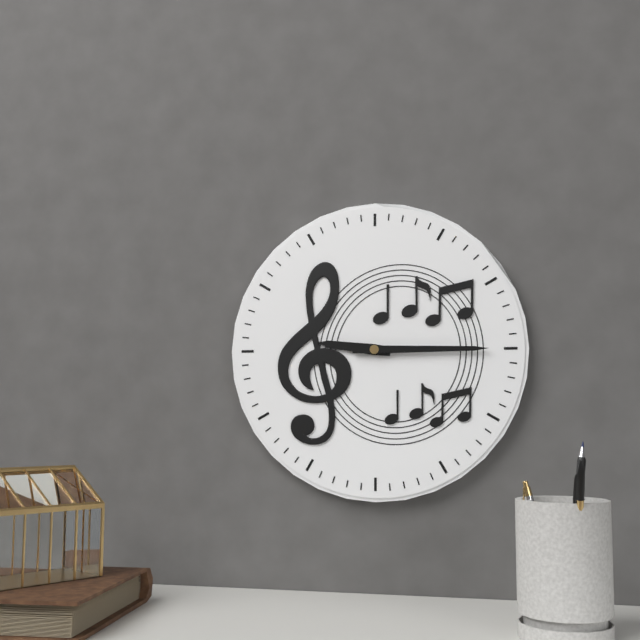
9 h 15 min
